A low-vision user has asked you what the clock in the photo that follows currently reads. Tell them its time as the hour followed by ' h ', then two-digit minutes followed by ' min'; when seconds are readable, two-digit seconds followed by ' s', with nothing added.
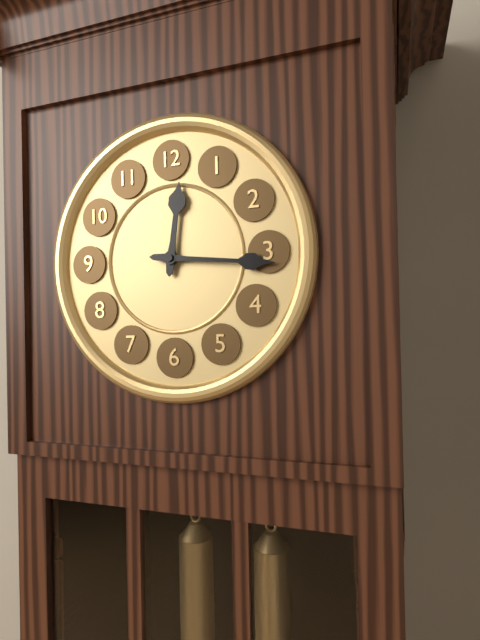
12 h 16 min
